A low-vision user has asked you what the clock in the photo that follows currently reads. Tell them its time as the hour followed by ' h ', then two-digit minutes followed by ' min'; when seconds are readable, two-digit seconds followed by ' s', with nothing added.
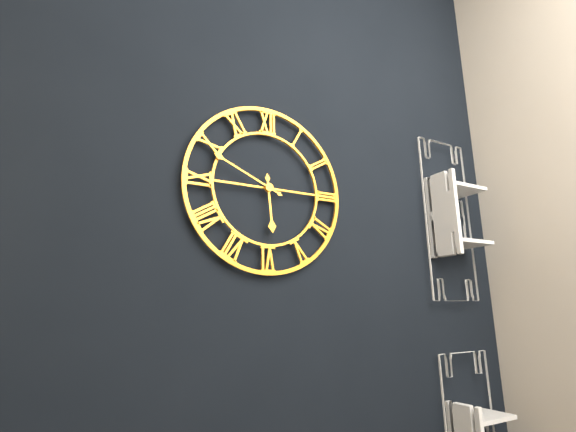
5 h 49 min
